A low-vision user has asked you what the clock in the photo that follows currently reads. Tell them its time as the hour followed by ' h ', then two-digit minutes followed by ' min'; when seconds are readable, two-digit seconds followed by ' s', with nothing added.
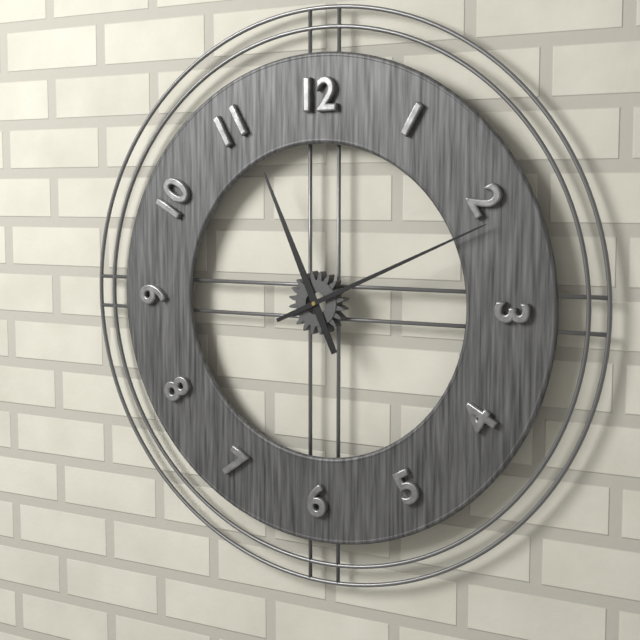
11 h 11 min
